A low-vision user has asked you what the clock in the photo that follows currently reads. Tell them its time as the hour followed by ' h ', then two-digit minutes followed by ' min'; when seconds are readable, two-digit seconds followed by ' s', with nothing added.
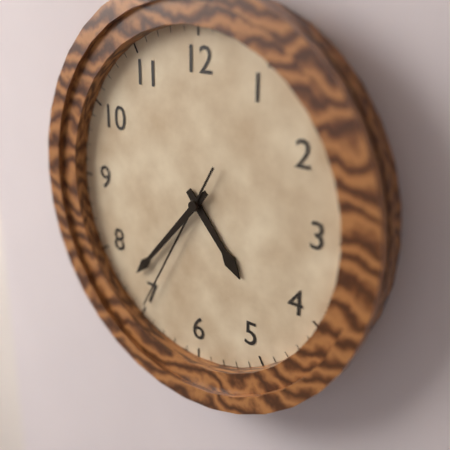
4 h 37 min 35 s
